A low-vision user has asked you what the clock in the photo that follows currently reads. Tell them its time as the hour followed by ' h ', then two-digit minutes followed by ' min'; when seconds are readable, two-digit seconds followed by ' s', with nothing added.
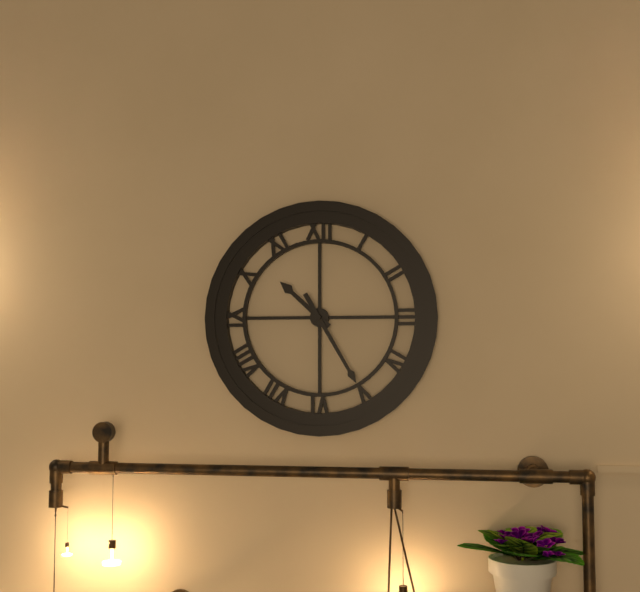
10 h 25 min
